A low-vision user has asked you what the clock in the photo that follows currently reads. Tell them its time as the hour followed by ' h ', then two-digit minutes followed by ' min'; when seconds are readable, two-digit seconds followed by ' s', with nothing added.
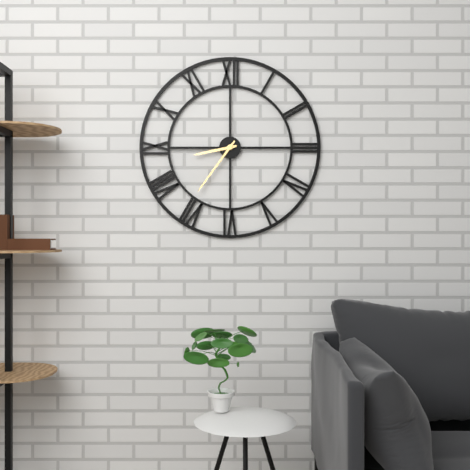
8 h 36 min
